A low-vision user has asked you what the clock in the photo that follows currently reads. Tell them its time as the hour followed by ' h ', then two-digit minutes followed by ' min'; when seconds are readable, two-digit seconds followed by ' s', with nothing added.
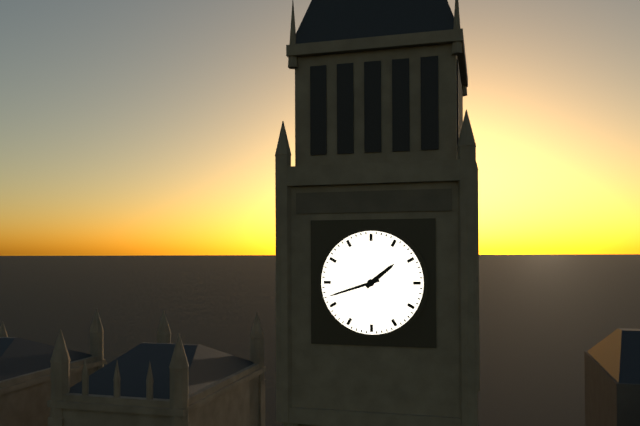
1 h 42 min
